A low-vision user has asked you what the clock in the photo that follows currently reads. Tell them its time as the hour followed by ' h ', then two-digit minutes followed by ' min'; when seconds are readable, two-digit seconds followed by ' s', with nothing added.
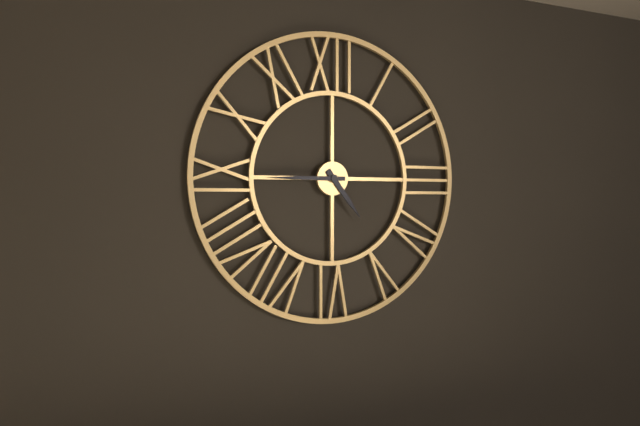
4 h 45 min
